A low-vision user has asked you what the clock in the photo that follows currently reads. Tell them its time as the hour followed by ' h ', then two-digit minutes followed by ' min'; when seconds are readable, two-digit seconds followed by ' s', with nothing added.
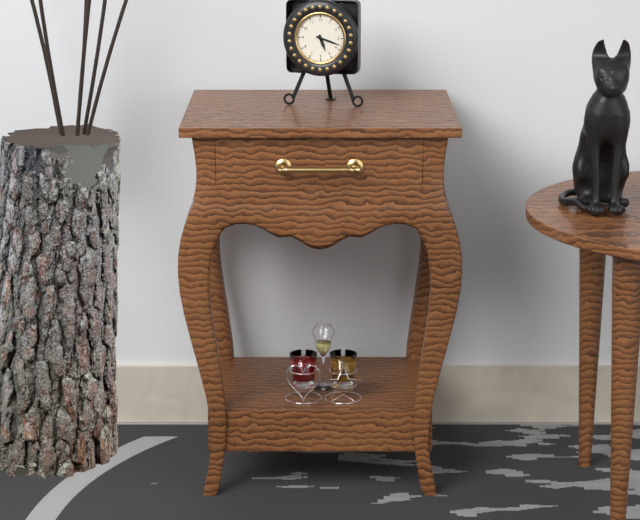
5 h 18 min
